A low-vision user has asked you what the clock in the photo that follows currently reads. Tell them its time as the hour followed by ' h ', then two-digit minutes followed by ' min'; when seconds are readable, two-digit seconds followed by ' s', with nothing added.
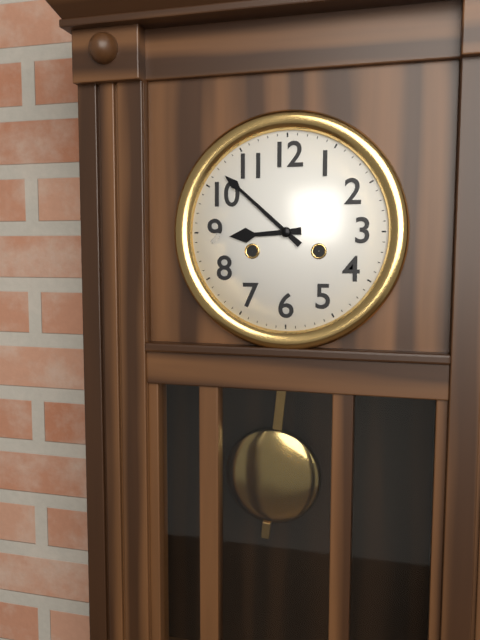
8 h 52 min
